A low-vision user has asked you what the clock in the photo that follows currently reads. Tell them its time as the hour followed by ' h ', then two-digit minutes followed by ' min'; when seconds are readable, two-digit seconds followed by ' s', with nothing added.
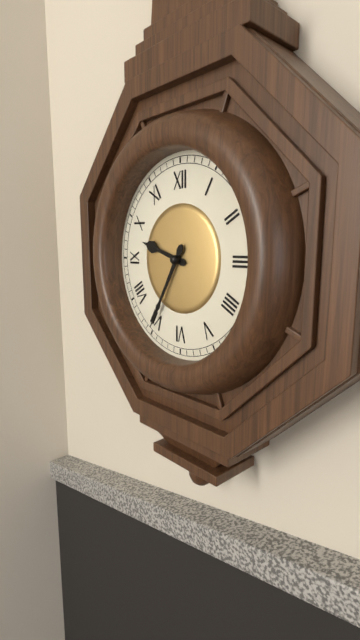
9 h 35 min
